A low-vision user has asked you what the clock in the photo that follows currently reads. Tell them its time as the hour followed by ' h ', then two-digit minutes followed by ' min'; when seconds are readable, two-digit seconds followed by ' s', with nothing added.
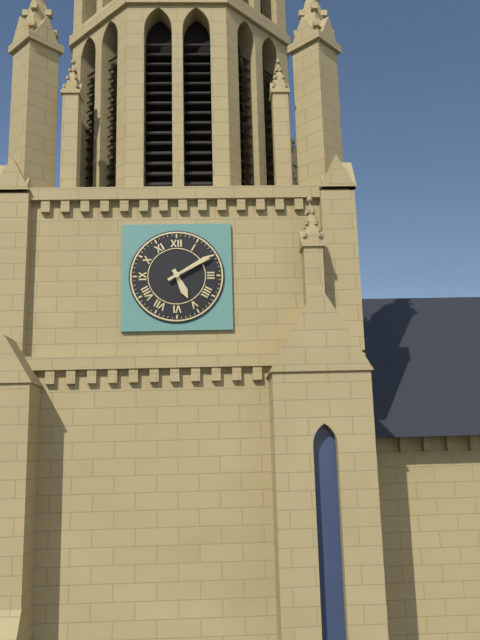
5 h 10 min
